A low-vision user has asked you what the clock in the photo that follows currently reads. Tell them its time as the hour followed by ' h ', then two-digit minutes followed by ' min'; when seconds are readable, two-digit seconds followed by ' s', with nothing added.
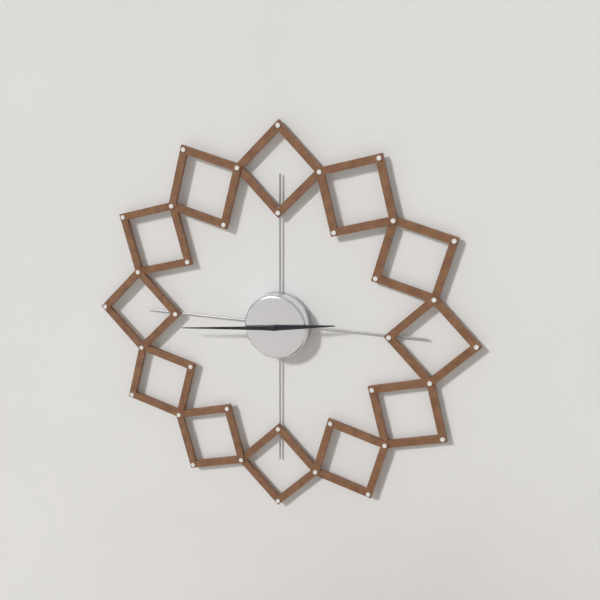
2 h 44 min
